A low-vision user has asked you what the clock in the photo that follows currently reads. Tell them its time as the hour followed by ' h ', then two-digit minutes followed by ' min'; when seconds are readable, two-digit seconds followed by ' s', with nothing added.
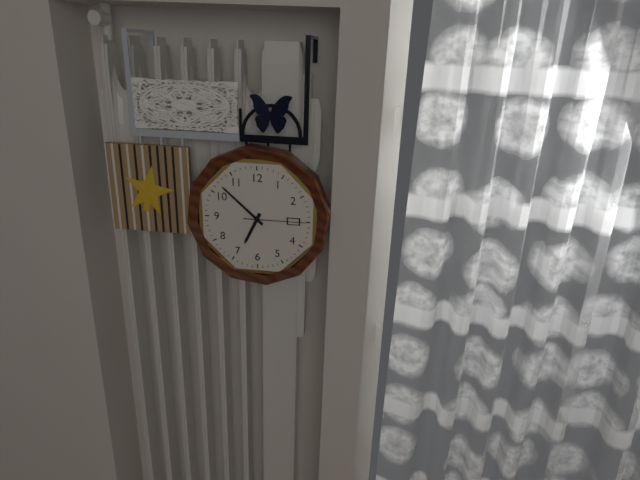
6 h 52 min 15 s
